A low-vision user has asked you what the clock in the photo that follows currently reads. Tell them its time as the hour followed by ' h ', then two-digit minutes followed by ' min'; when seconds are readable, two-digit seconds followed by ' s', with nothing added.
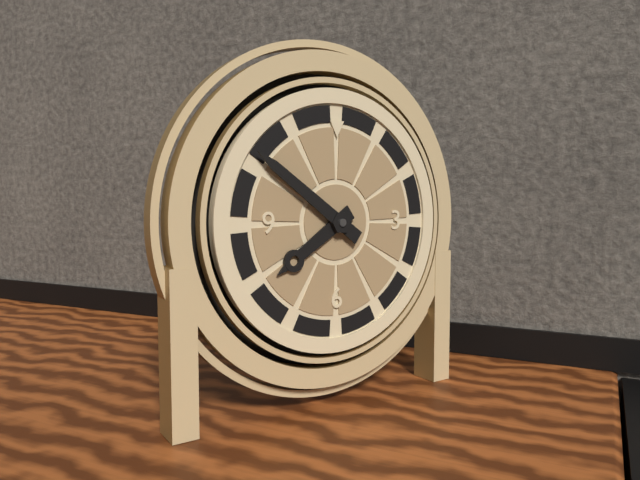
7 h 51 min
